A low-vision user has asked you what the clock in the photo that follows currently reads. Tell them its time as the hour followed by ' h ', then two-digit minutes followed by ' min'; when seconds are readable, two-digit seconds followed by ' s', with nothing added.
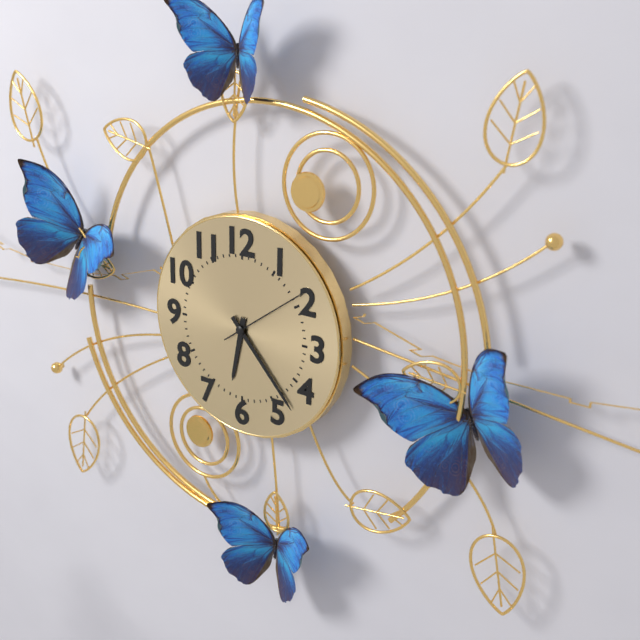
6 h 23 min 09 s
